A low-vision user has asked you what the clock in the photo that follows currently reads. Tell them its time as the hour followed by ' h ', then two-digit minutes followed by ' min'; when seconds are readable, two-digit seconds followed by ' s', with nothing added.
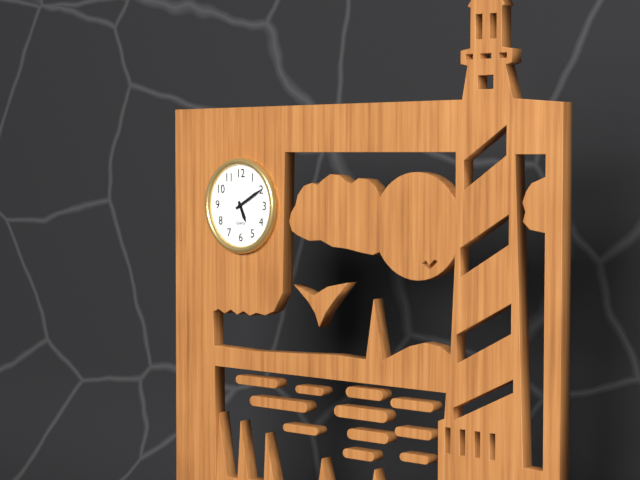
5 h 10 min
